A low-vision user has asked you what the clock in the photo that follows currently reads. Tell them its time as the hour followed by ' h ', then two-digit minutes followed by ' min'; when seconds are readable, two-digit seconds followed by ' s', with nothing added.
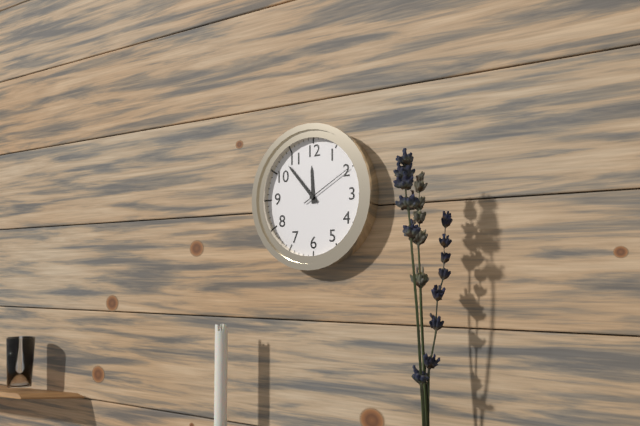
11 h 53 min 10 s
